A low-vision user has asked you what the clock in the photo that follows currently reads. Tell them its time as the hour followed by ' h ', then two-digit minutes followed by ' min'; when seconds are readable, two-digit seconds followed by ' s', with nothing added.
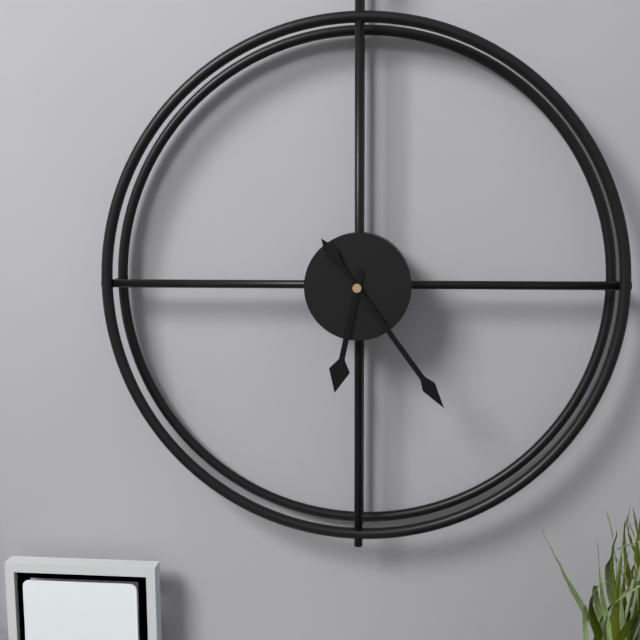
6 h 24 min
